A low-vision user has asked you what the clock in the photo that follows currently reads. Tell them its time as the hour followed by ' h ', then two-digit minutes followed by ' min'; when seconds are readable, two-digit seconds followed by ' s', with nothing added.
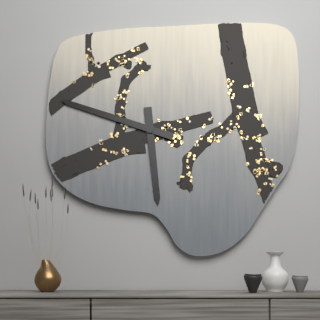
5 h 48 min
